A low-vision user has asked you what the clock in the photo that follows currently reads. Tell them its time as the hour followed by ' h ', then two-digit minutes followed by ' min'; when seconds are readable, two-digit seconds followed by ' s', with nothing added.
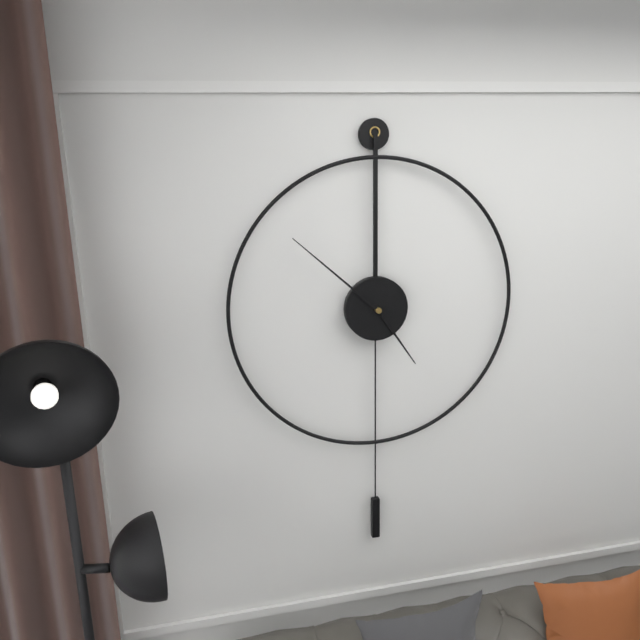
4 h 52 min
